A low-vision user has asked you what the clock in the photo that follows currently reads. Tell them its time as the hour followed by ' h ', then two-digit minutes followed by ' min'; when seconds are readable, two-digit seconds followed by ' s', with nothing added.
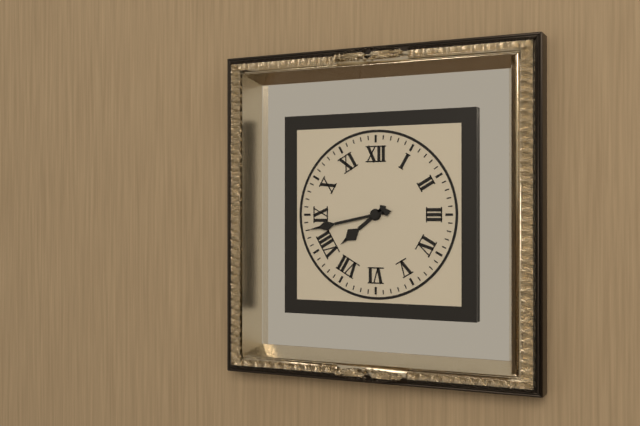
7 h 43 min
